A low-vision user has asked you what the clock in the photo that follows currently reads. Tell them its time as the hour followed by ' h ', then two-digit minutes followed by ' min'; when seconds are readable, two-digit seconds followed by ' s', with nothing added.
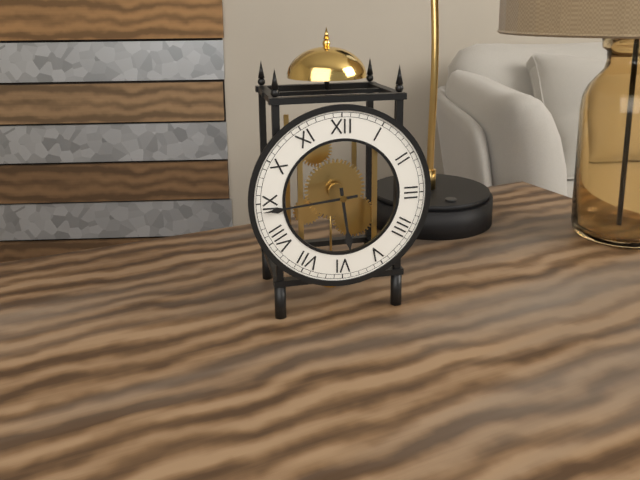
5 h 44 min
